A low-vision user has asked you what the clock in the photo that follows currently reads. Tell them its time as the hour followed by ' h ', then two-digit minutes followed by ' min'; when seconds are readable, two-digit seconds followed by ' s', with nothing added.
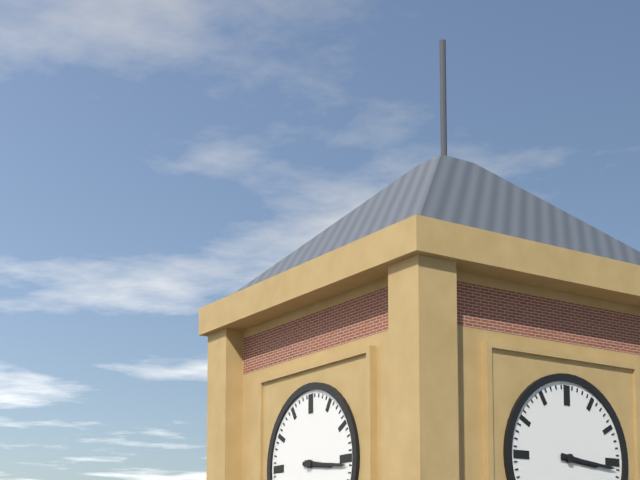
3 h 16 min
